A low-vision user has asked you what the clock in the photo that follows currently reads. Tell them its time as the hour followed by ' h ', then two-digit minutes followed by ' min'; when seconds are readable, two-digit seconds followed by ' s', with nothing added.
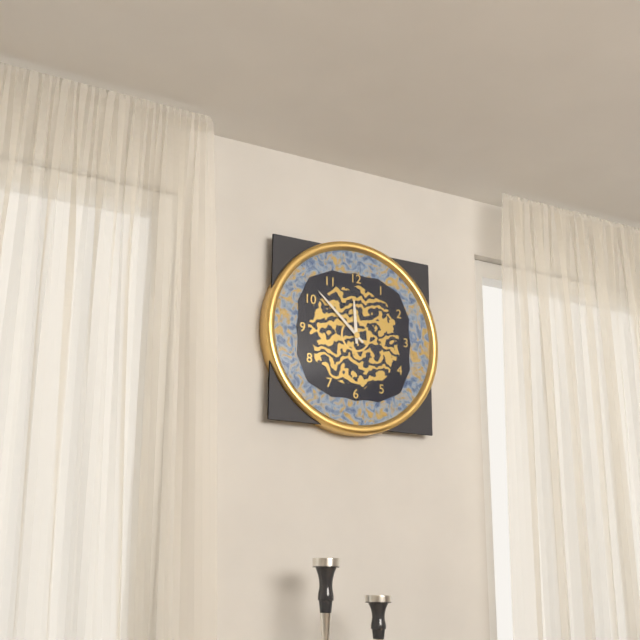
11 h 52 min
